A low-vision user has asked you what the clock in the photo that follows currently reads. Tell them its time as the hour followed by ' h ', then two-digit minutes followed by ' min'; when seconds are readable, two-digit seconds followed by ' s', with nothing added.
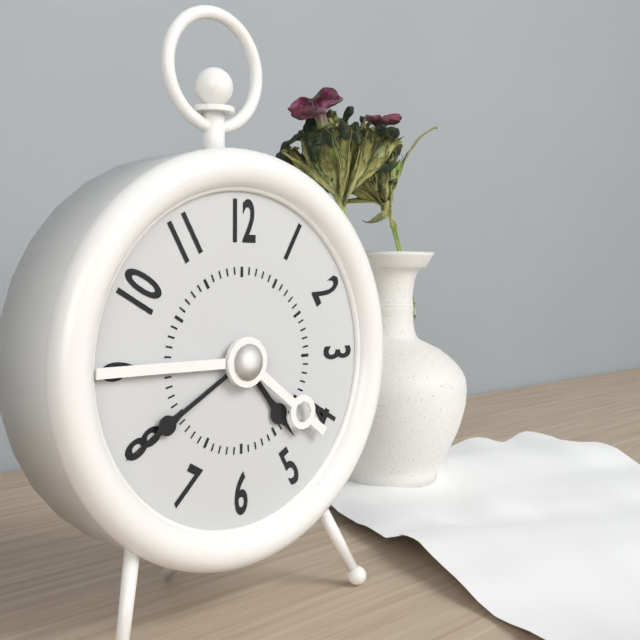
4 h 40 min
